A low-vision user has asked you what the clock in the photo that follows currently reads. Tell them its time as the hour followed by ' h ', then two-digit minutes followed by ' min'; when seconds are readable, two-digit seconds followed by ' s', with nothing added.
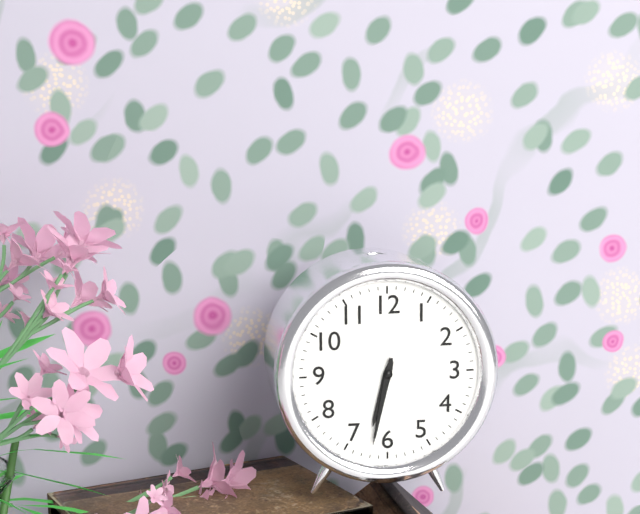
6 h 32 min
